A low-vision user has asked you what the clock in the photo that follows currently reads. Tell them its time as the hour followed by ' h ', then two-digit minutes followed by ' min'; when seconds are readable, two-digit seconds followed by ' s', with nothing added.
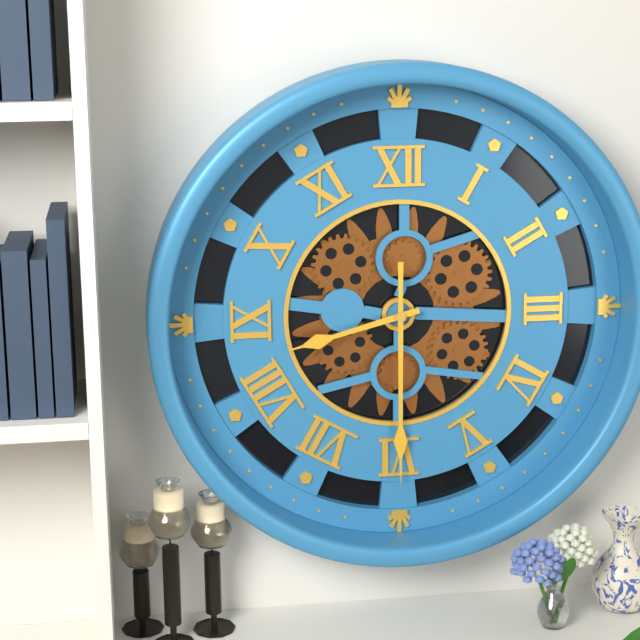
8 h 30 min
